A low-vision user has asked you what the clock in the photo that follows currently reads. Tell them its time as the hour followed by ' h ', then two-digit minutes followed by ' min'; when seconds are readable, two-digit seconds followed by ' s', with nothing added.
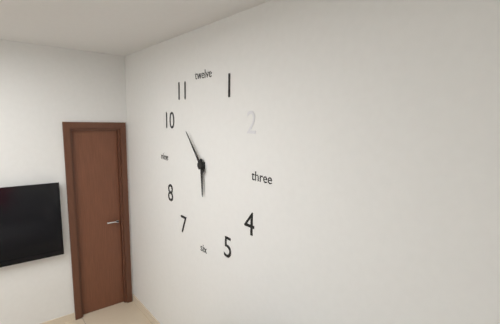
5 h 53 min
